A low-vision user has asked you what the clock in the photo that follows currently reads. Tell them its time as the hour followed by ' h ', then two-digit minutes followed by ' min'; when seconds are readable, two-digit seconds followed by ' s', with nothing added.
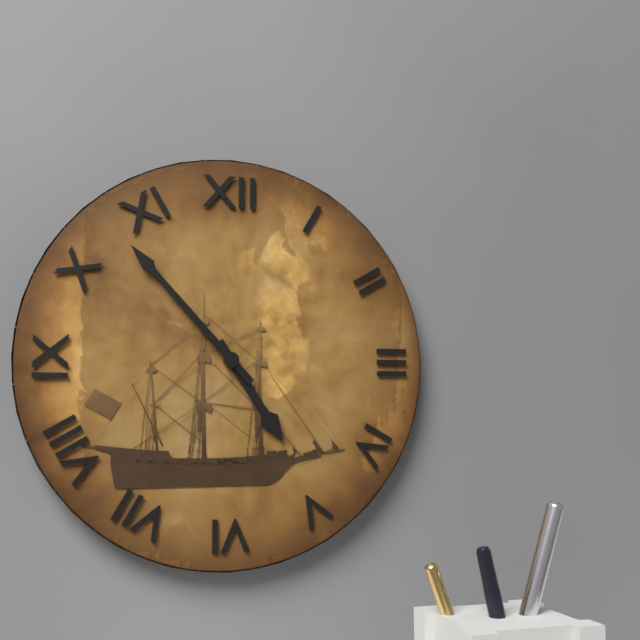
4 h 53 min
